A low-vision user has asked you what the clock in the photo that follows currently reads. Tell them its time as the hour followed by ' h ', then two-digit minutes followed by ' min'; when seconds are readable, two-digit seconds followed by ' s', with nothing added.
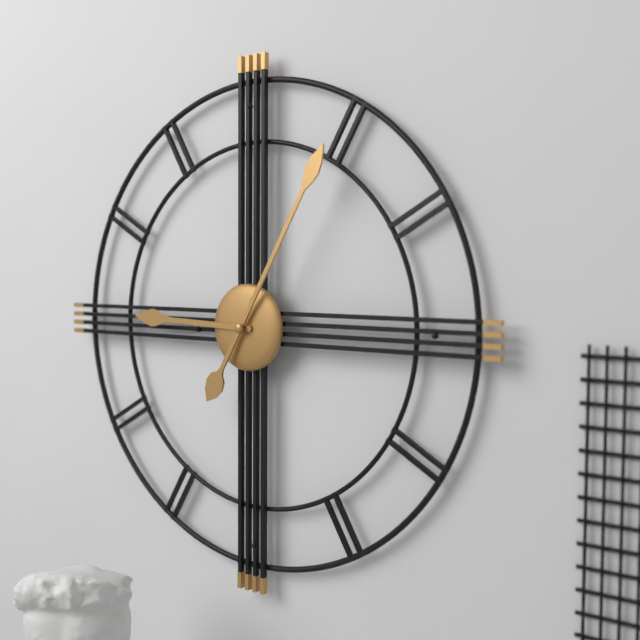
9 h 05 min
